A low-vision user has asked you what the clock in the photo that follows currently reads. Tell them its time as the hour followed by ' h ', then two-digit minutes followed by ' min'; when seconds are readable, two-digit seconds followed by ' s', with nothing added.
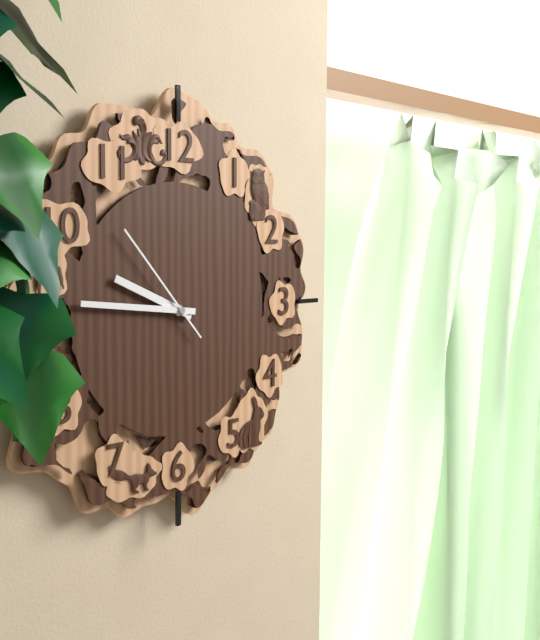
9 h 46 min 53 s
